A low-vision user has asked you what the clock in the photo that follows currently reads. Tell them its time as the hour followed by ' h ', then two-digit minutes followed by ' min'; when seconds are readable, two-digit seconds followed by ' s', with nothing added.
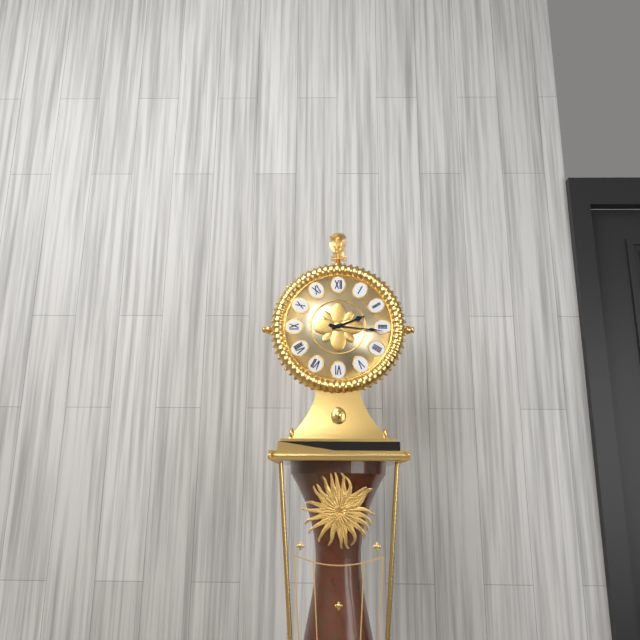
2 h 16 min
